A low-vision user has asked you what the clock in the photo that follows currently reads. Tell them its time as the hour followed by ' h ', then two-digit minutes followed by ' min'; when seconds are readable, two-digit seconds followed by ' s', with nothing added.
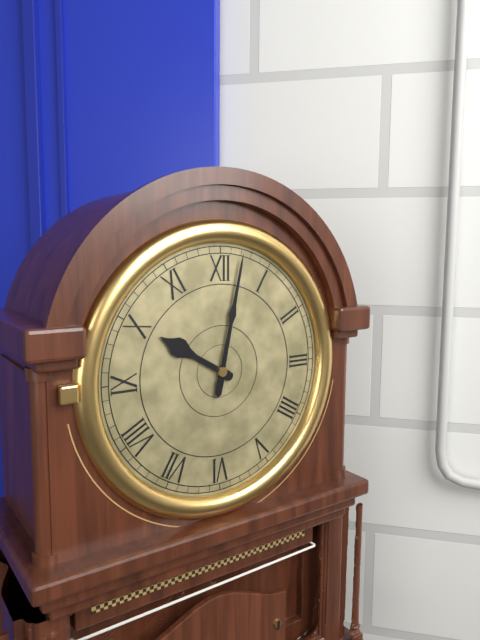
10 h 02 min
